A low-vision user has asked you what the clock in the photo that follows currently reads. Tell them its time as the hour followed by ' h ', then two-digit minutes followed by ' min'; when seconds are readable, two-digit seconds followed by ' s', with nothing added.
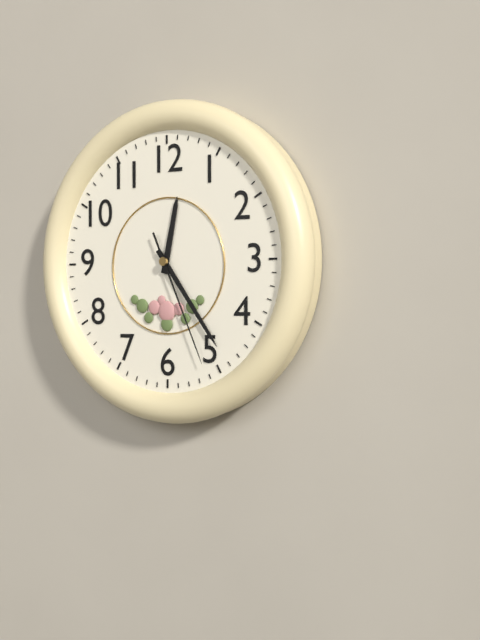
12 h 24 min 26 s
